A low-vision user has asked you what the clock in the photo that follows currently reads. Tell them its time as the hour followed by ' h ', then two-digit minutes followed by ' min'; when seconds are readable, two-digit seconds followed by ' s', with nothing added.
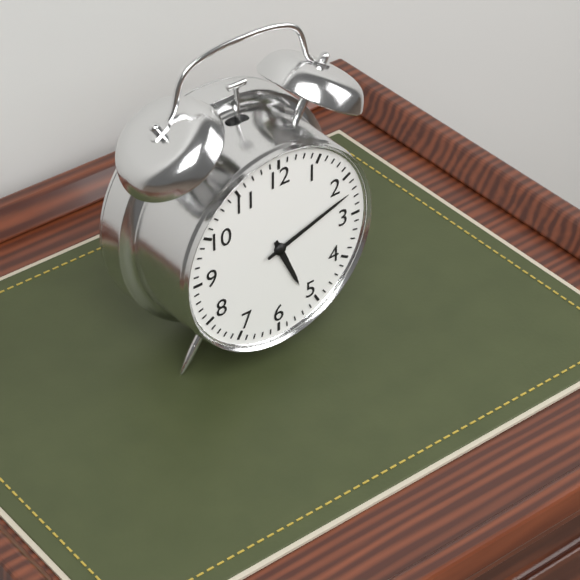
5 h 12 min
